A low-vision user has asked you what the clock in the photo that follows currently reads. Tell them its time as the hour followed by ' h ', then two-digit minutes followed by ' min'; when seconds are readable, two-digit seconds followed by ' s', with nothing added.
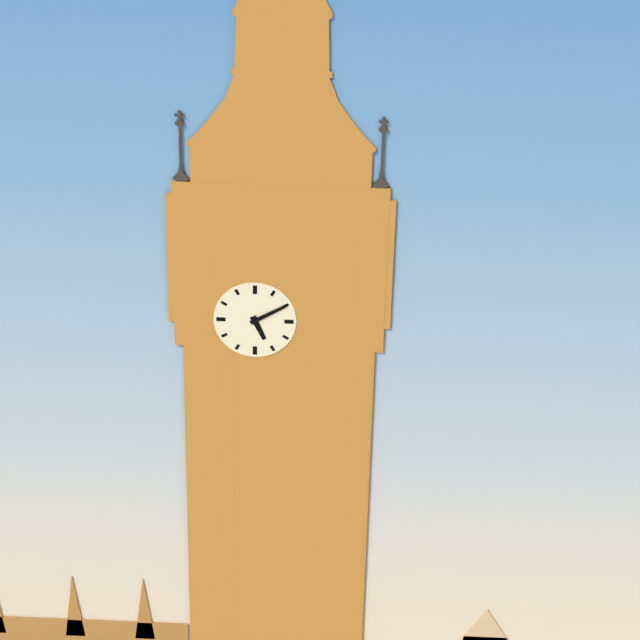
5 h 10 min
